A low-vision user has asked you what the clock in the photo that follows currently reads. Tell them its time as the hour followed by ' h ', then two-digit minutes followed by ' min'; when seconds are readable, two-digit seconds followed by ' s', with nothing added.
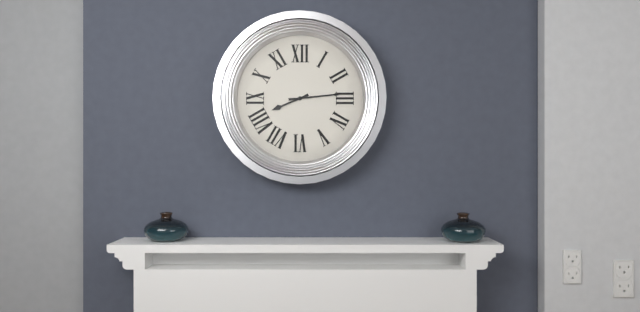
8 h 14 min
